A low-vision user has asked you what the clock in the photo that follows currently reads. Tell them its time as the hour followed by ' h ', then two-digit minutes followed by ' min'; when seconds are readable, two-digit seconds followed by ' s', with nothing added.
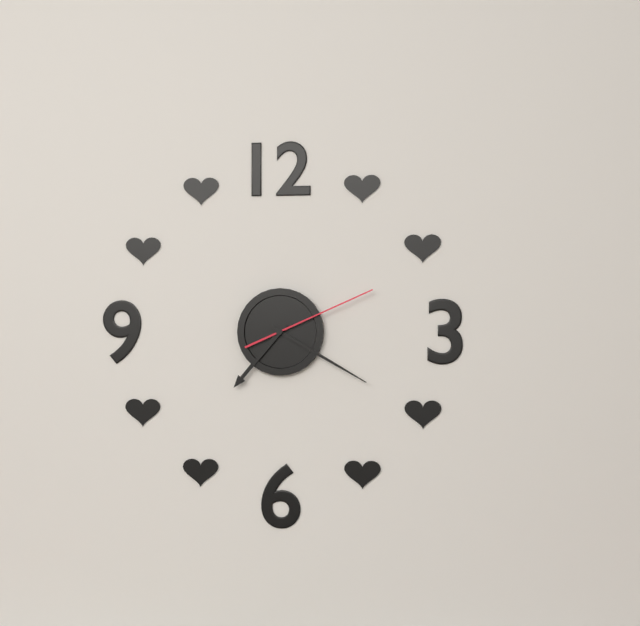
7 h 20 min 11 s
